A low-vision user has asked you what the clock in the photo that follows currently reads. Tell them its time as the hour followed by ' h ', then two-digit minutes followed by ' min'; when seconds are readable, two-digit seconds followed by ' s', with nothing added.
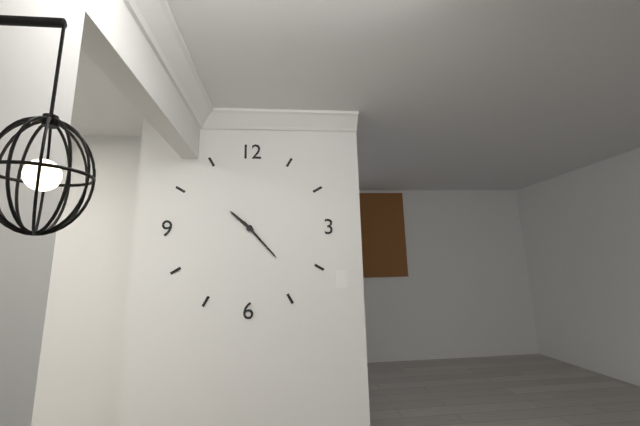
10 h 23 min
